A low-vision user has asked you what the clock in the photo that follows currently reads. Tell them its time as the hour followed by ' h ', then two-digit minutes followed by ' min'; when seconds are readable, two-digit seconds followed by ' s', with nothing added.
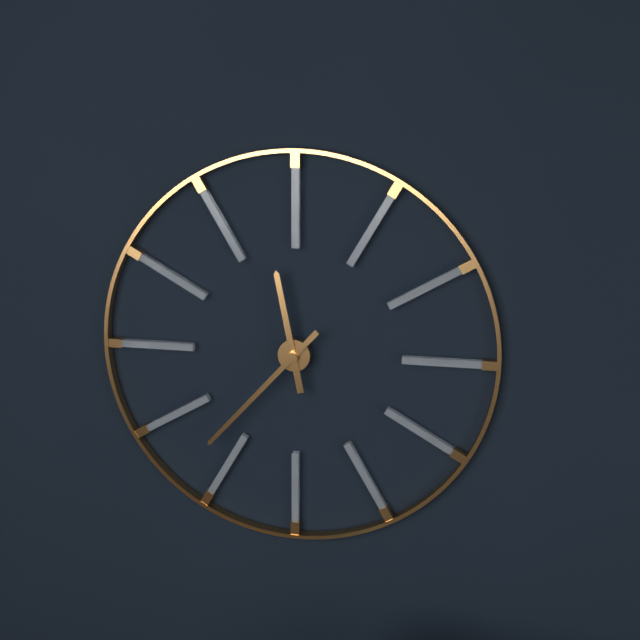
11 h 37 min
